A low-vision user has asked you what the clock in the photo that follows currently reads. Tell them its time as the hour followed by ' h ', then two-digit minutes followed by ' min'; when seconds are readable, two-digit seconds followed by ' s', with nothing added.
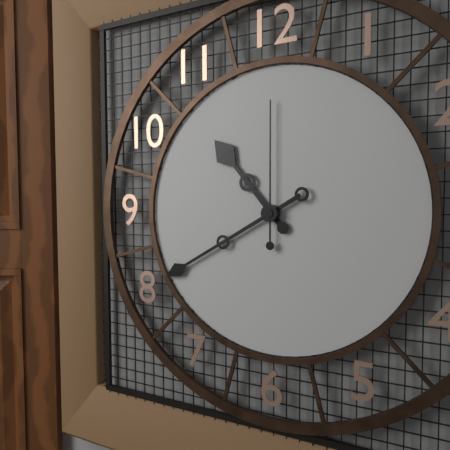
10 h 40 min 00 s
